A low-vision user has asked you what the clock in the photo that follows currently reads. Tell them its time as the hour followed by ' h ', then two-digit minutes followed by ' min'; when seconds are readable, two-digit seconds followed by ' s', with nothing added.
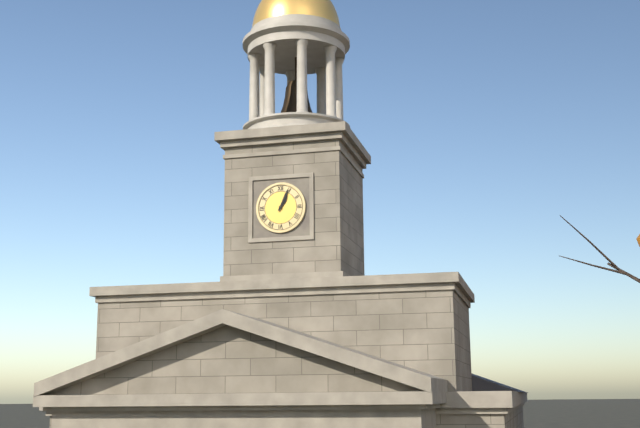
1 h 04 min
